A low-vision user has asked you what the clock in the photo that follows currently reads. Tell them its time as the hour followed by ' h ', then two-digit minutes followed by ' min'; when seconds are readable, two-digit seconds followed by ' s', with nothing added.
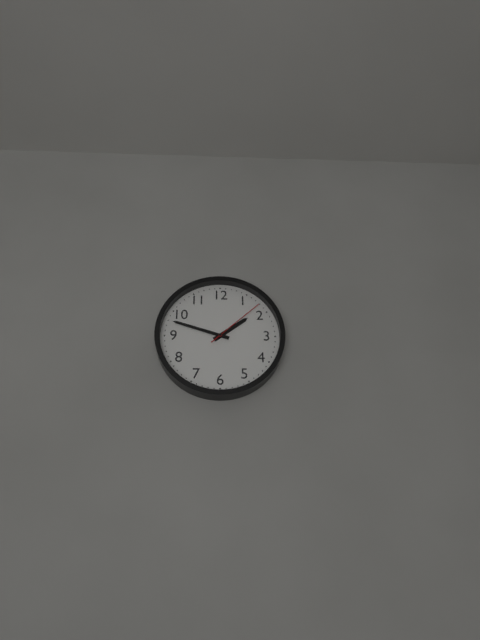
1 h 48 min 08 s
